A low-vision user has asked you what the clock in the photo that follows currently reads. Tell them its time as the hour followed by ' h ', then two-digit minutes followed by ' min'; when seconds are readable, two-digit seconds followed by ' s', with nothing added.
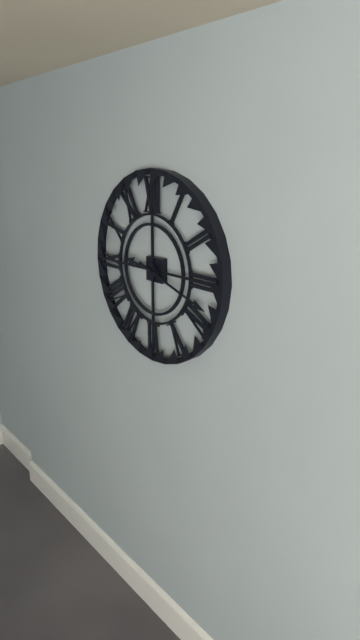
9 h 18 min
